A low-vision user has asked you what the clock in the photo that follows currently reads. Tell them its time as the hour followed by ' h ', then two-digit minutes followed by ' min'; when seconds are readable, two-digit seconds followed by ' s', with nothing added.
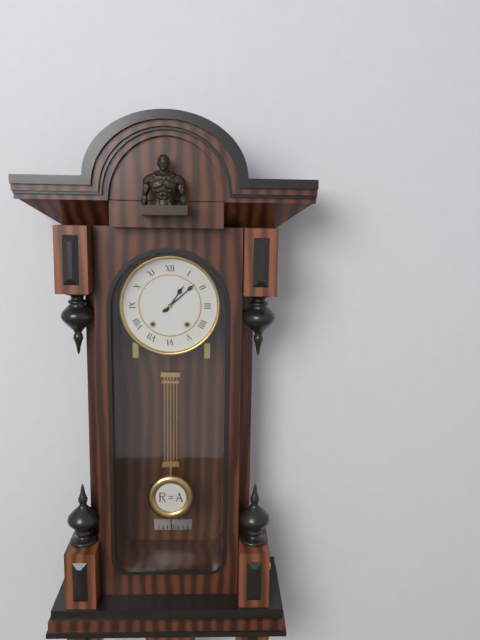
1 h 08 min
